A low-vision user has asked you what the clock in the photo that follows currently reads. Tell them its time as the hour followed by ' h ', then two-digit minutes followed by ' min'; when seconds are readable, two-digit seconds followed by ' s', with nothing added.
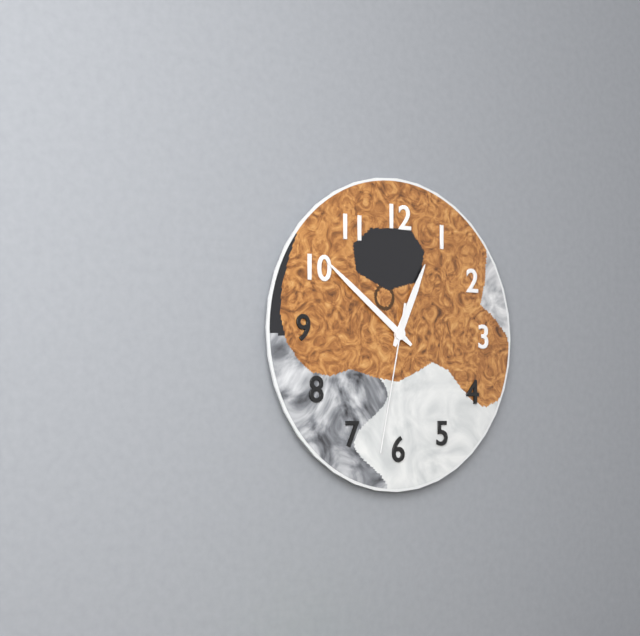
12 h 51 min 32 s
